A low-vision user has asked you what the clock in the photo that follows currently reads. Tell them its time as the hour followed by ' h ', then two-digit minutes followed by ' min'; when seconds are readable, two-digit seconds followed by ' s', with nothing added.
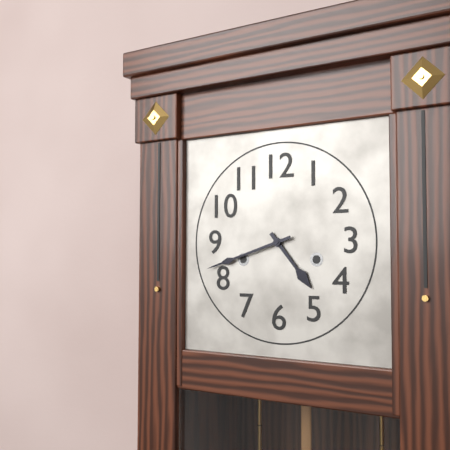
4 h 42 min
